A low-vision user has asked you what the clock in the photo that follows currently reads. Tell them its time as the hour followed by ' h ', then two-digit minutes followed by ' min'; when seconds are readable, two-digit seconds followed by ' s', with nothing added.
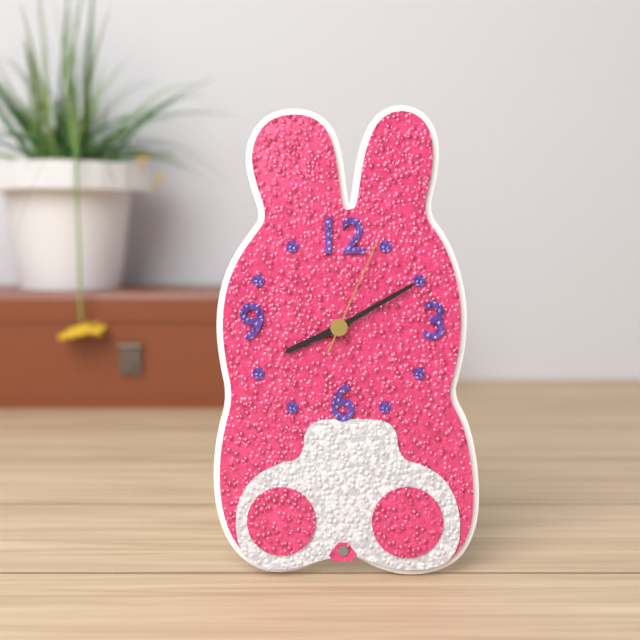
8 h 10 min 04 s
